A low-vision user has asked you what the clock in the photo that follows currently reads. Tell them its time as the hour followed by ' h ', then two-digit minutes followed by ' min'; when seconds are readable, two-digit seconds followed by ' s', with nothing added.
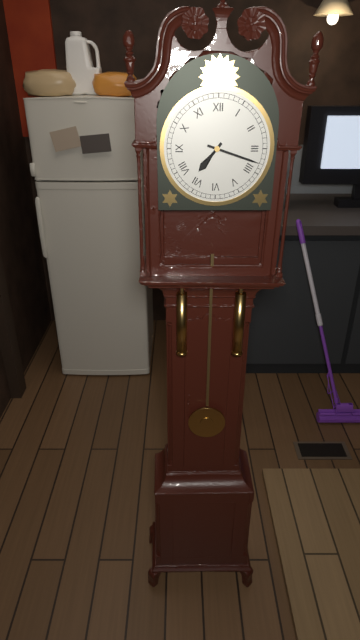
7 h 18 min
